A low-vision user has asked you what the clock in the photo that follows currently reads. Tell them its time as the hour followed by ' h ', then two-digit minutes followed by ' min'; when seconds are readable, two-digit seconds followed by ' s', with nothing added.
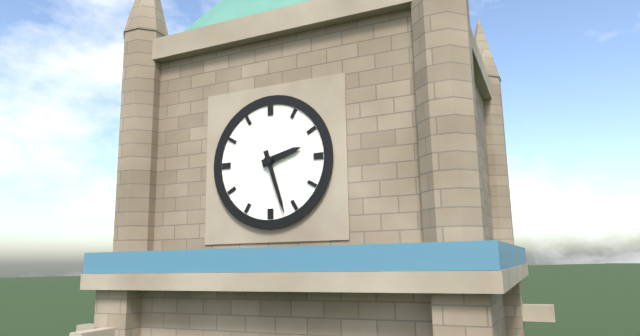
2 h 27 min
